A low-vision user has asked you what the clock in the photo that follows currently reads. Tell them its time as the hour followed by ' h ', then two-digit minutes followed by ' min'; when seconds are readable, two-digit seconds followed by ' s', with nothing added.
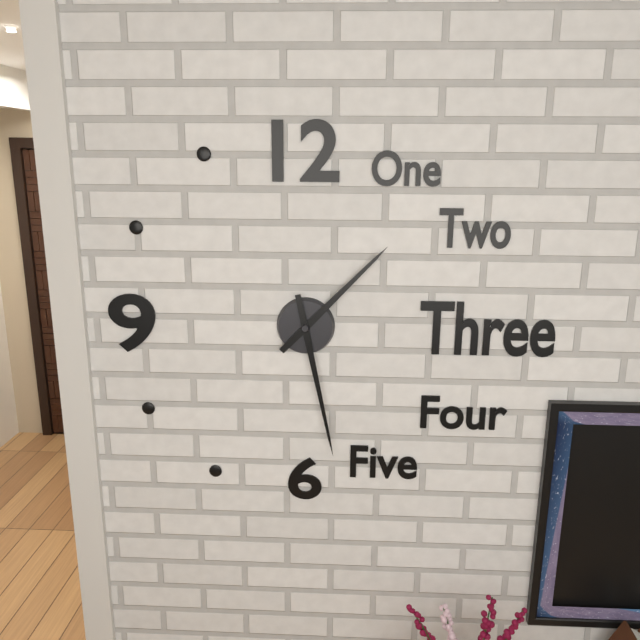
1 h 28 min
